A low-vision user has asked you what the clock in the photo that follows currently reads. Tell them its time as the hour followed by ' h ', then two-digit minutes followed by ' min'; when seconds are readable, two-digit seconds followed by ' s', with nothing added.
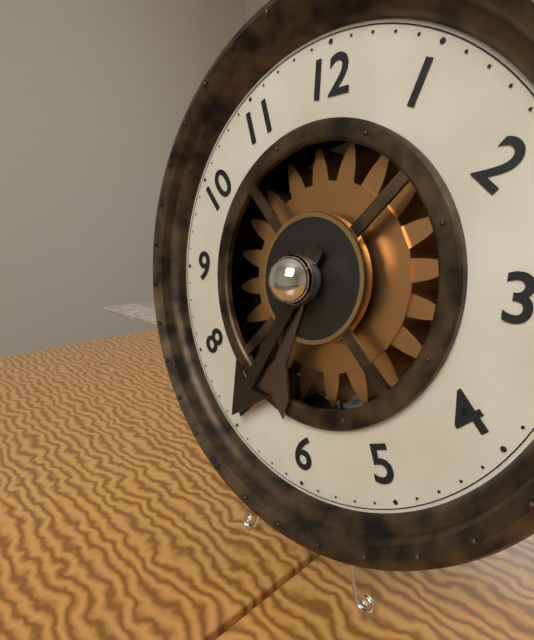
6 h 35 min
